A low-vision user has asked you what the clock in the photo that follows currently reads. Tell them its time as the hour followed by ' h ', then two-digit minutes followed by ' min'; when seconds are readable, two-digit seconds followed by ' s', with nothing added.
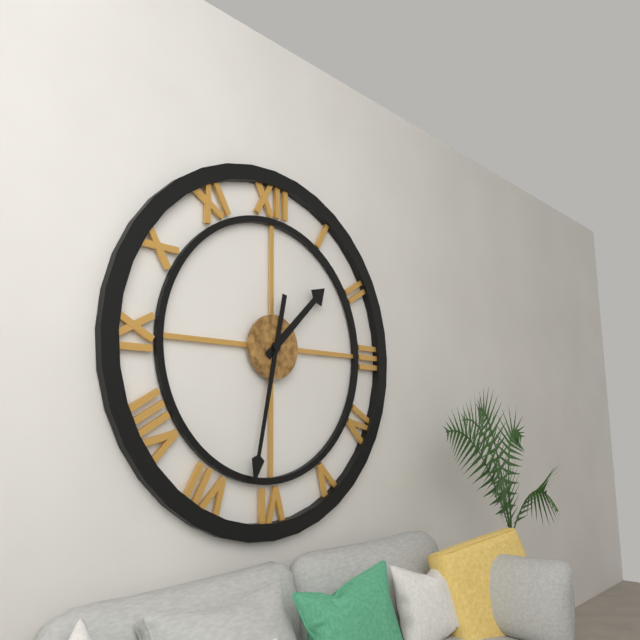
1 h 32 min
